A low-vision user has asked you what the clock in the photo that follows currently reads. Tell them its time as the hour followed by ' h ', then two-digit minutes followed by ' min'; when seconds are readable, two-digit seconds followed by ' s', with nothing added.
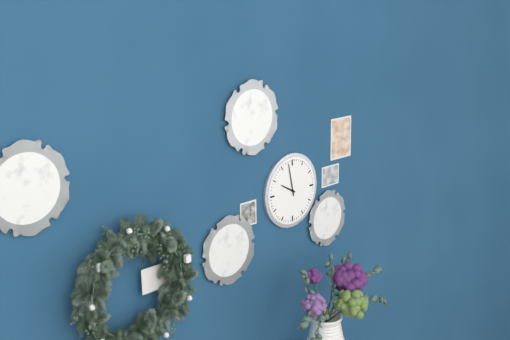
9 h 58 min
